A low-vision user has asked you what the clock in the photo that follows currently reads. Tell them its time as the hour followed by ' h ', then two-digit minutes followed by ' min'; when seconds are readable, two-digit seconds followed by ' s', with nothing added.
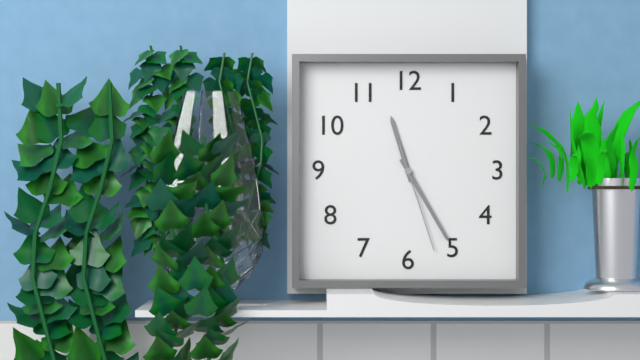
11 h 25 min 27 s
